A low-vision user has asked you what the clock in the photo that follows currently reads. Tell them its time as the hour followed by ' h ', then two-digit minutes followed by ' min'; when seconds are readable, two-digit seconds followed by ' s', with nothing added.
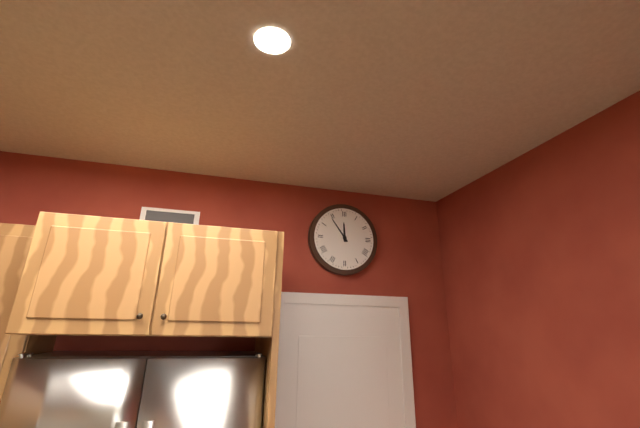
11 h 54 min
